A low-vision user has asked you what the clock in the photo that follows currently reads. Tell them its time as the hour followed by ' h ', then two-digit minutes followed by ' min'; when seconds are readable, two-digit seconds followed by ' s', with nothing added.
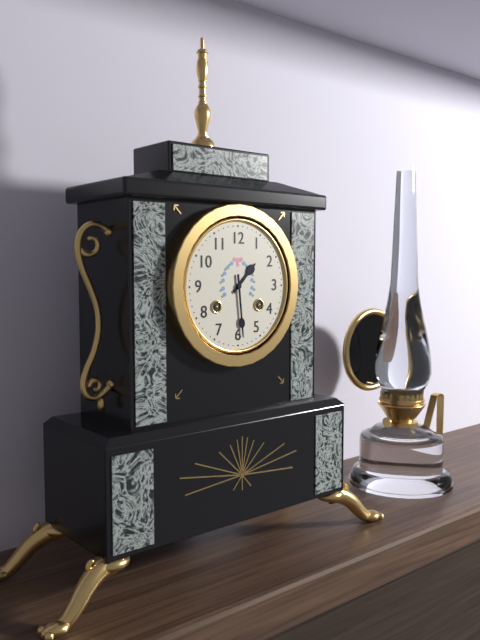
1 h 29 min
